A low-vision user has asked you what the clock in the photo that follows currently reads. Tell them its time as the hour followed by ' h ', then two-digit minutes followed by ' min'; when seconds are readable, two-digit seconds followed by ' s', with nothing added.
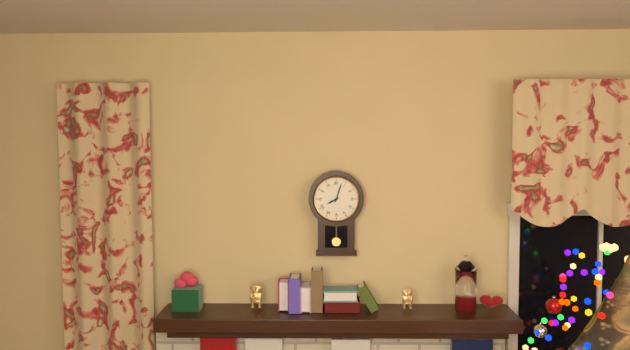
8 h 03 min
